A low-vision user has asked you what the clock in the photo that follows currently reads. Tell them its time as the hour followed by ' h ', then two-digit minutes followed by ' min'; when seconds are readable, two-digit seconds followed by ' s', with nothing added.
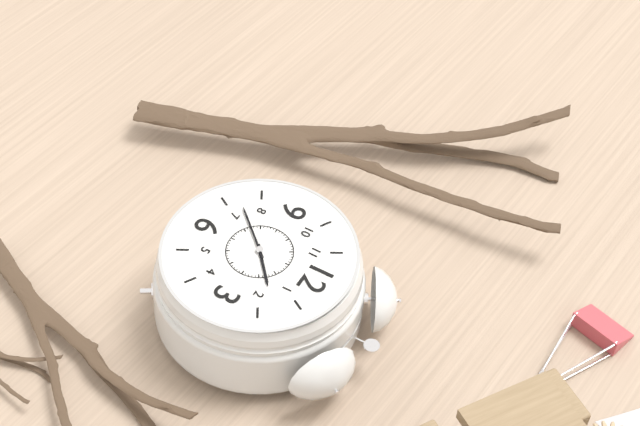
1 h 37 min
